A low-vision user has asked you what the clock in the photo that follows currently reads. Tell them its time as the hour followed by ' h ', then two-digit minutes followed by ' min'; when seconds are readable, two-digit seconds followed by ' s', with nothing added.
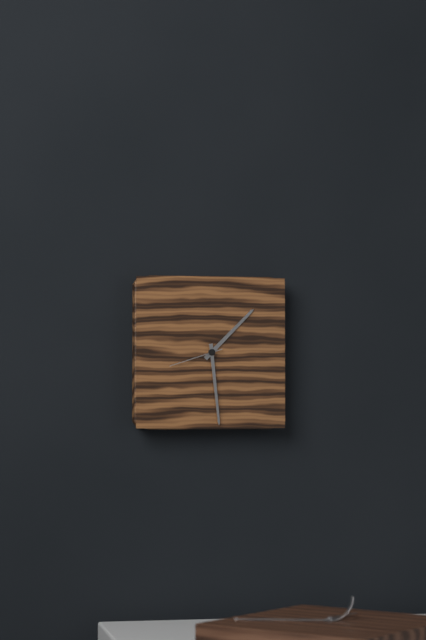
1 h 29 min 42 s
